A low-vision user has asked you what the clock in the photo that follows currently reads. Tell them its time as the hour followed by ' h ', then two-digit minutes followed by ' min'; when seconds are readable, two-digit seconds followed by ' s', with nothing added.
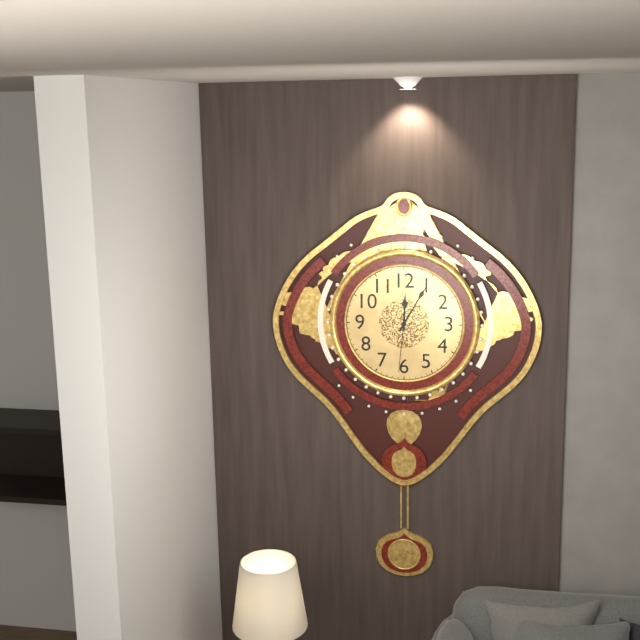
12 h 05 min 31 s
